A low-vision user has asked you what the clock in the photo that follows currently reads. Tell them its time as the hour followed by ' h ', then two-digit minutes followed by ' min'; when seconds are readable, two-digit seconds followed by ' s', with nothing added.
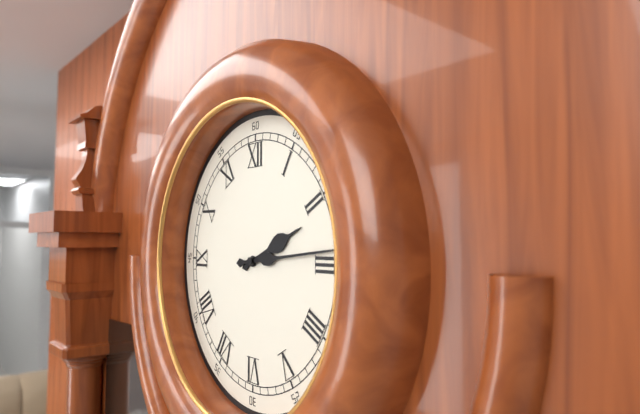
2 h 14 min
